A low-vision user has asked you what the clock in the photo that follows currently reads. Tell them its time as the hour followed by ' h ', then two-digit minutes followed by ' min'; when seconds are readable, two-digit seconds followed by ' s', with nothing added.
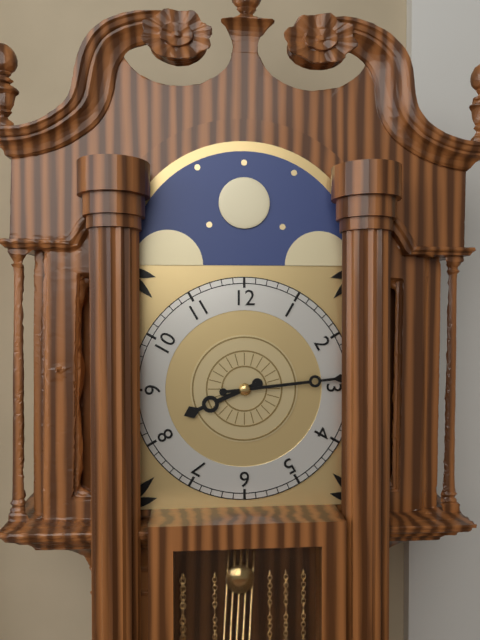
8 h 14 min
